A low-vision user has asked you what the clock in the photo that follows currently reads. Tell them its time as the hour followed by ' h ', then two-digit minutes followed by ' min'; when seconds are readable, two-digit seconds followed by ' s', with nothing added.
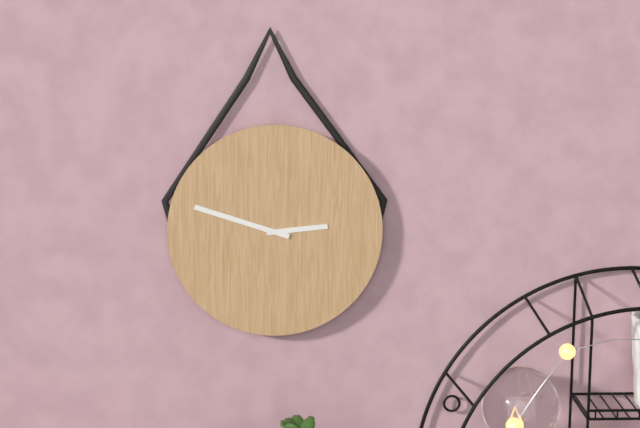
2 h 48 min
